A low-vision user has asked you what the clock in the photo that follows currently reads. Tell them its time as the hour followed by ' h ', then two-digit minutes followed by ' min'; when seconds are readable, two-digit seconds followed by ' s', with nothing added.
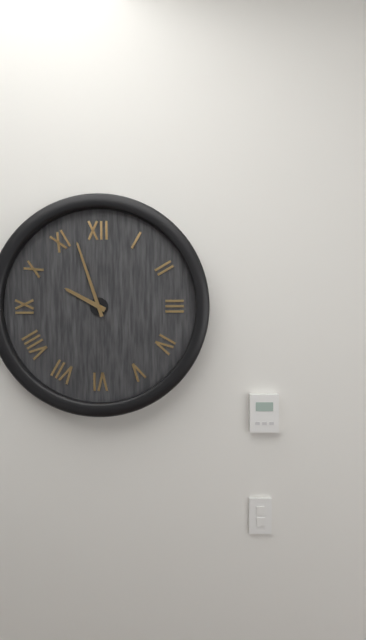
9 h 57 min
